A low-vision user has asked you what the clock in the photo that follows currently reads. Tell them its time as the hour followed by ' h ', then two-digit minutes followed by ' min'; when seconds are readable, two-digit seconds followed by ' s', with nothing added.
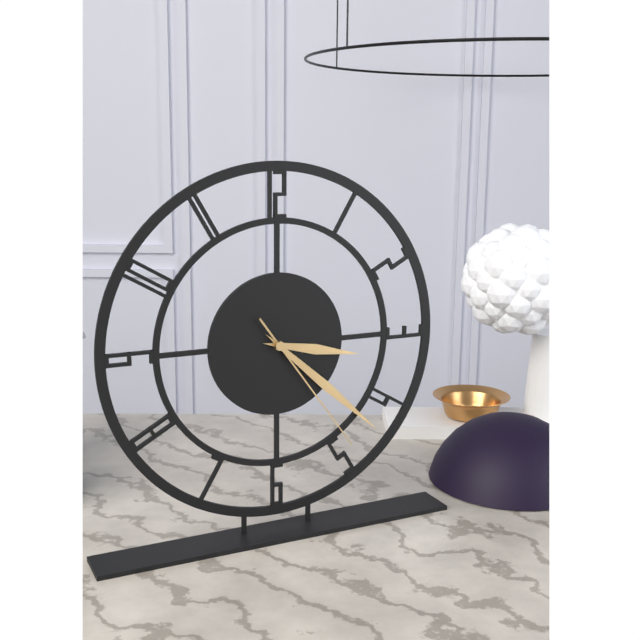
3 h 22 min 24 s
